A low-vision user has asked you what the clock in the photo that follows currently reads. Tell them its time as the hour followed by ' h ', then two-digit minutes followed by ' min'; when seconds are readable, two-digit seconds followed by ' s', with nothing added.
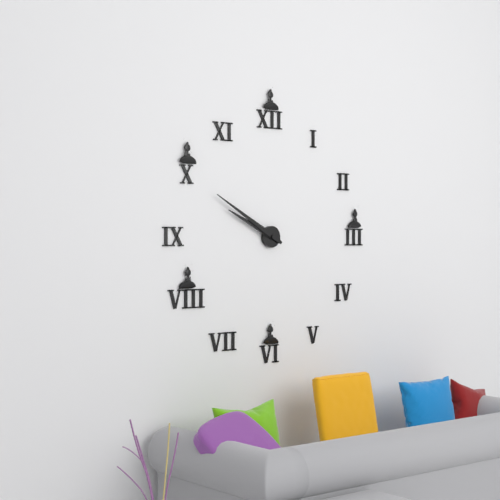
9 h 50 min
